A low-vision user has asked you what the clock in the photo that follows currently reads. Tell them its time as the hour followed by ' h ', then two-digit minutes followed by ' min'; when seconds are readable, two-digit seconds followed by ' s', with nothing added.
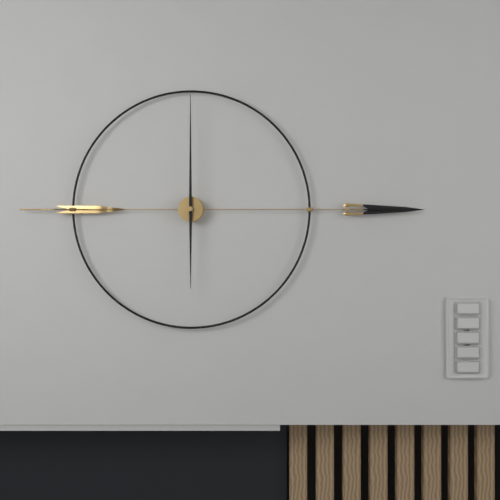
6 h 00 min
